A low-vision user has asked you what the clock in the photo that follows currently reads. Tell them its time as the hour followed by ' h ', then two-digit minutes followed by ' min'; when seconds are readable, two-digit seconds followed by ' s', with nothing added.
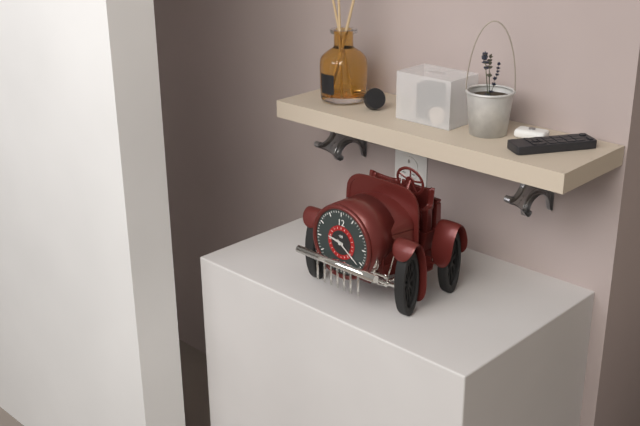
9 h 21 min
